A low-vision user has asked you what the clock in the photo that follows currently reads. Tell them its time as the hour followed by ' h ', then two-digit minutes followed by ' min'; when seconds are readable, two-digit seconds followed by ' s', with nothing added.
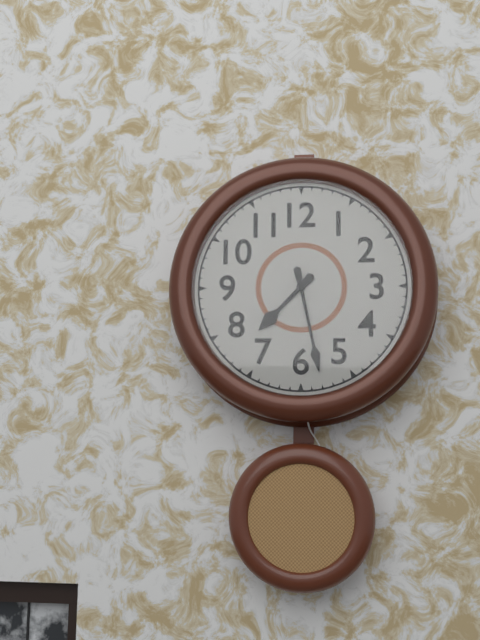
7 h 28 min
